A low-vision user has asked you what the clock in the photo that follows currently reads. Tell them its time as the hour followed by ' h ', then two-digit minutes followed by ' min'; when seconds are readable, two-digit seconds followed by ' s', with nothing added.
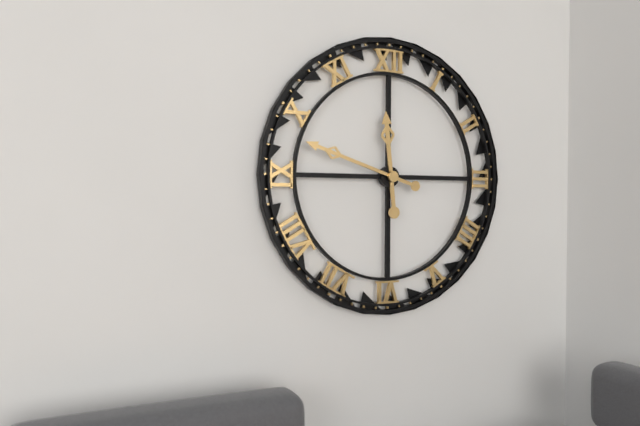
11 h 48 min
